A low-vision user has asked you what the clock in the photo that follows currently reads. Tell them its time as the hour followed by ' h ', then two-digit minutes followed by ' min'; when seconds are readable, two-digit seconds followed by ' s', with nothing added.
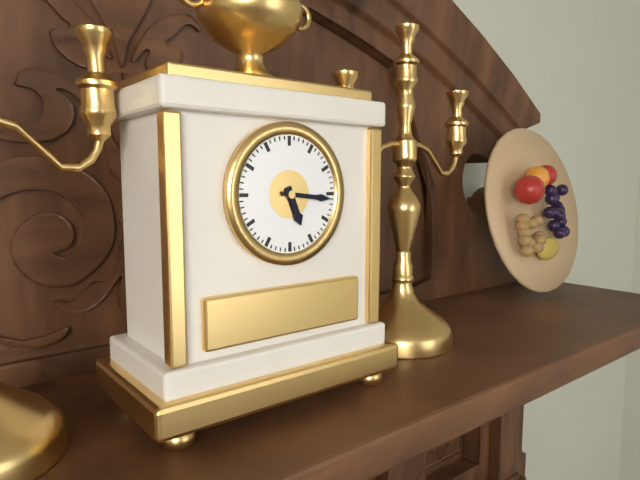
5 h 16 min
